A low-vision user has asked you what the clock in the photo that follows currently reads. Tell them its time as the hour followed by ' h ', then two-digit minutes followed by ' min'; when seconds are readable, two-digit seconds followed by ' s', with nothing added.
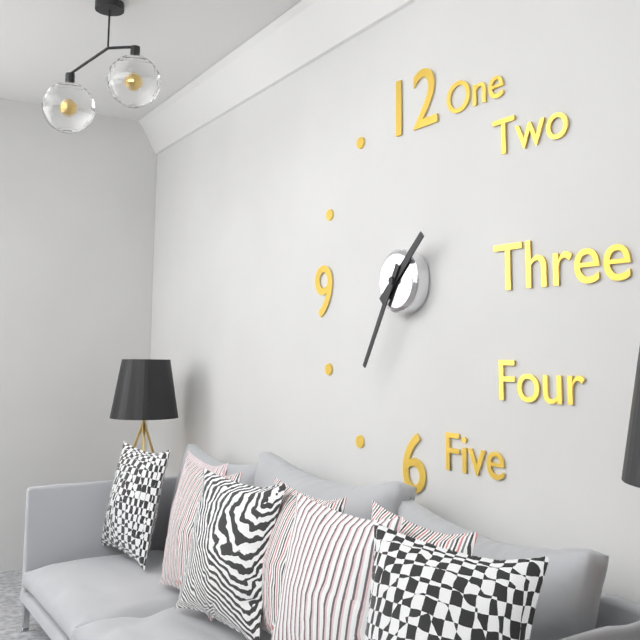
1 h 35 min
